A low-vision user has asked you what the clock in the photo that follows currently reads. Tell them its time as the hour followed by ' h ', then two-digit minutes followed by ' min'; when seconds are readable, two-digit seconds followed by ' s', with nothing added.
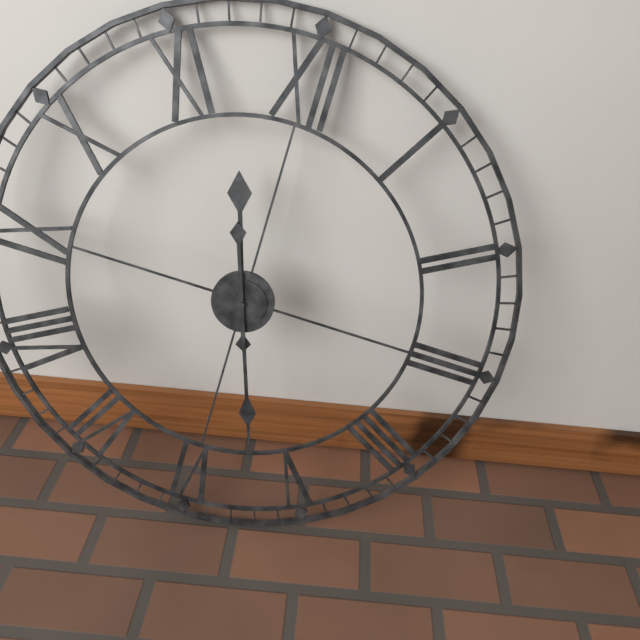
11 h 27 min
